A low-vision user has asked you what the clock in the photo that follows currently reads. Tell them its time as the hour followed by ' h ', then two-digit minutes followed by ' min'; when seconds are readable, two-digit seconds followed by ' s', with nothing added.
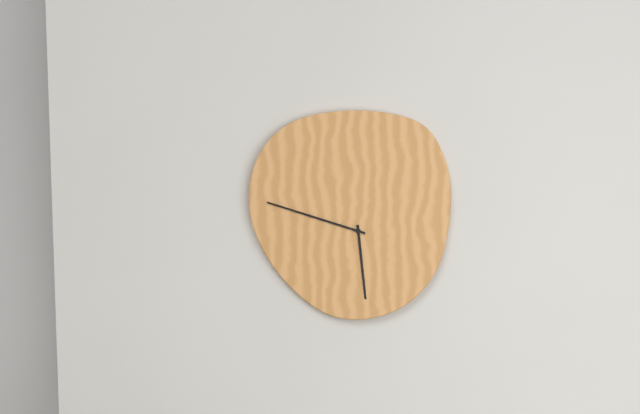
5 h 48 min
